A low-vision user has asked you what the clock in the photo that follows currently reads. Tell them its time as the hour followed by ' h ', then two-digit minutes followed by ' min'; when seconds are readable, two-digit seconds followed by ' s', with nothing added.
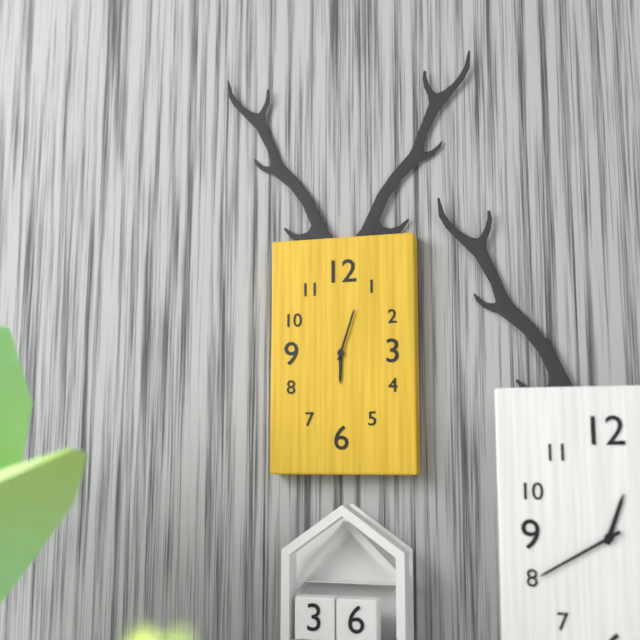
6 h 03 min
